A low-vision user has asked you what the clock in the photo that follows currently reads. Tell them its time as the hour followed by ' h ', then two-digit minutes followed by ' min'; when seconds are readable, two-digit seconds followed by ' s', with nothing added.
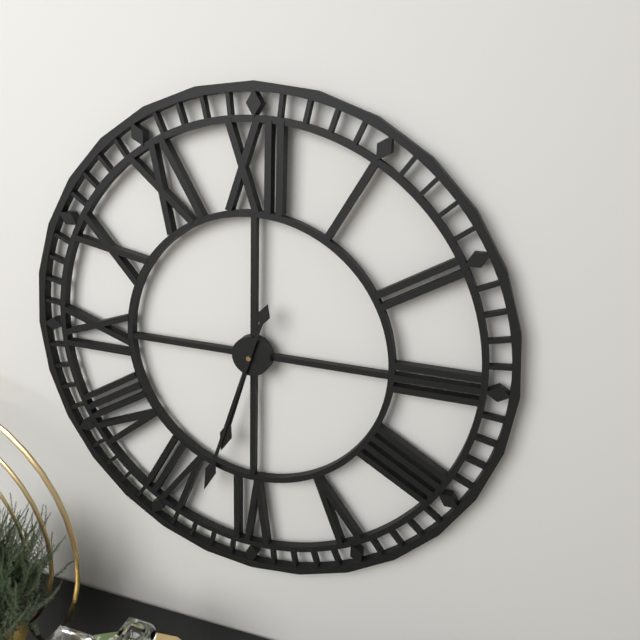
6 h 33 min
